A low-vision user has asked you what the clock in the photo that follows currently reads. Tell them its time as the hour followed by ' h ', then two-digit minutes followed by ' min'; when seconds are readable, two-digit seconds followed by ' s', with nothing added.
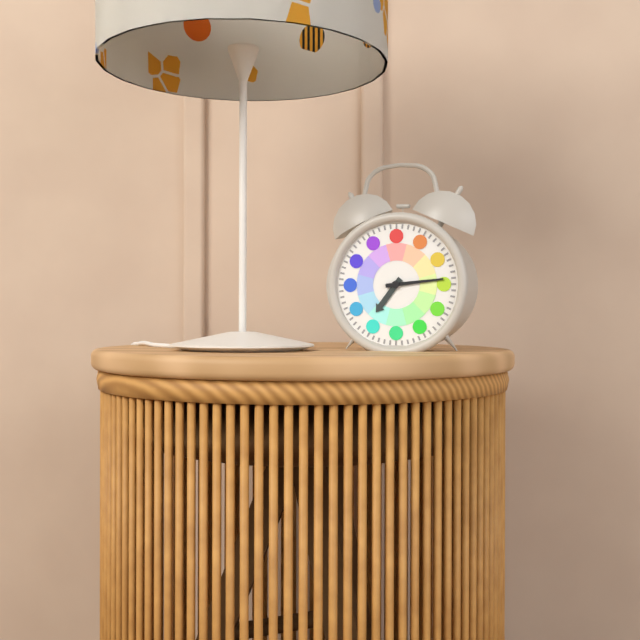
7 h 14 min
